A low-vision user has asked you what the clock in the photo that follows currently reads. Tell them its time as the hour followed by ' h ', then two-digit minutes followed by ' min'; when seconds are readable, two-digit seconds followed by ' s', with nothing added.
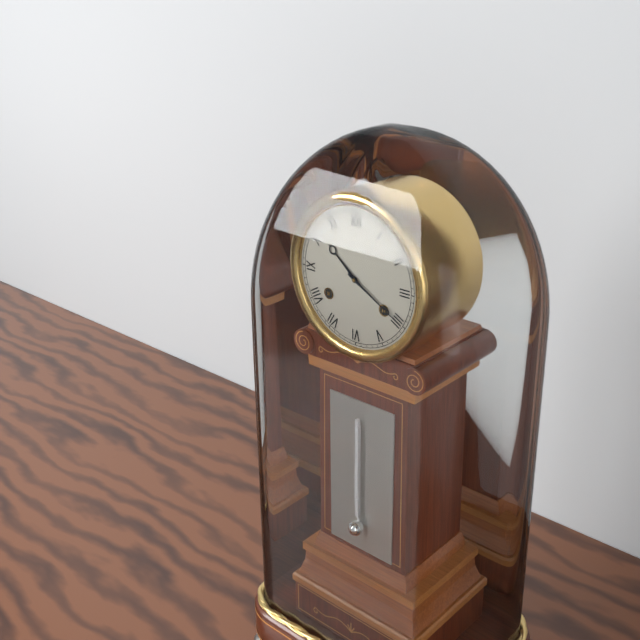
10 h 20 min
